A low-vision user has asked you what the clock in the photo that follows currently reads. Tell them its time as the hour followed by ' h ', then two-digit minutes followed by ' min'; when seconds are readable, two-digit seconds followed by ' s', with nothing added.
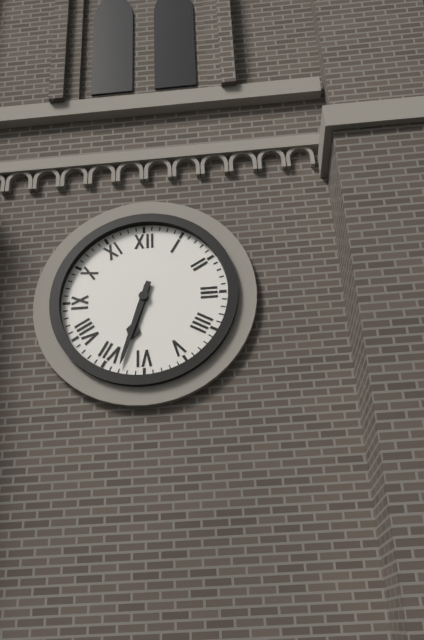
6 h 33 min
